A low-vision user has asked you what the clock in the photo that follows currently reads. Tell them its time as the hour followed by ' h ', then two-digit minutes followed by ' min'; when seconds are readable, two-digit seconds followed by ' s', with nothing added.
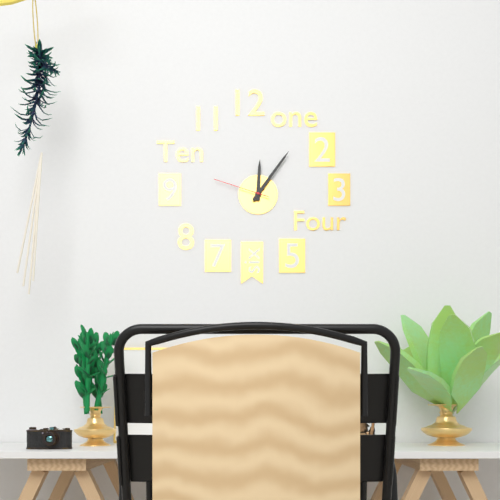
12 h 06 min 48 s
